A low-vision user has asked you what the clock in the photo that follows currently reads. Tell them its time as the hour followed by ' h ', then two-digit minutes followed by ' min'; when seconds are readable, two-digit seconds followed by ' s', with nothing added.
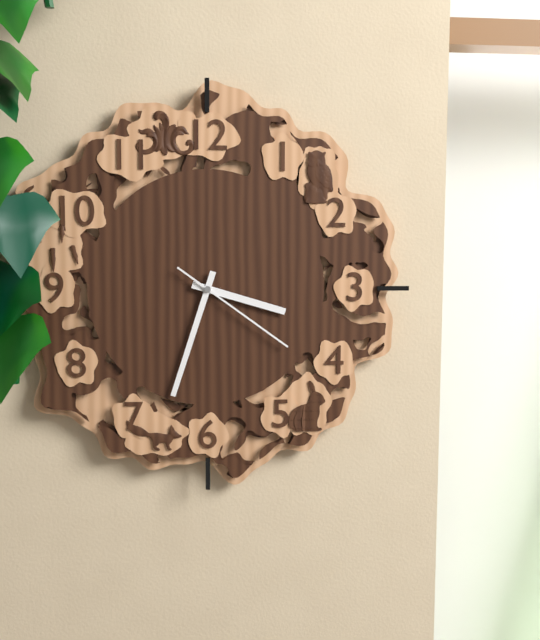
3 h 33 min 21 s
